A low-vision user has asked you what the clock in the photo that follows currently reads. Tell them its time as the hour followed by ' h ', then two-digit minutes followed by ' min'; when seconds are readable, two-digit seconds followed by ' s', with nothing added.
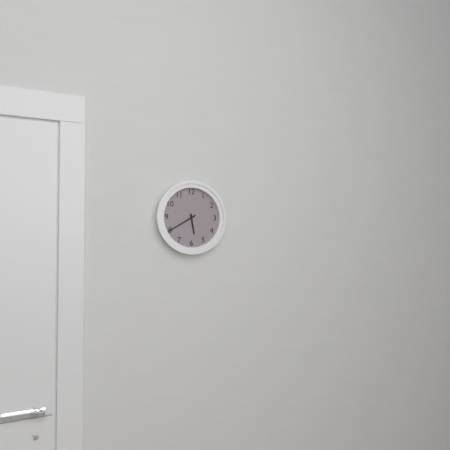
5 h 40 min
